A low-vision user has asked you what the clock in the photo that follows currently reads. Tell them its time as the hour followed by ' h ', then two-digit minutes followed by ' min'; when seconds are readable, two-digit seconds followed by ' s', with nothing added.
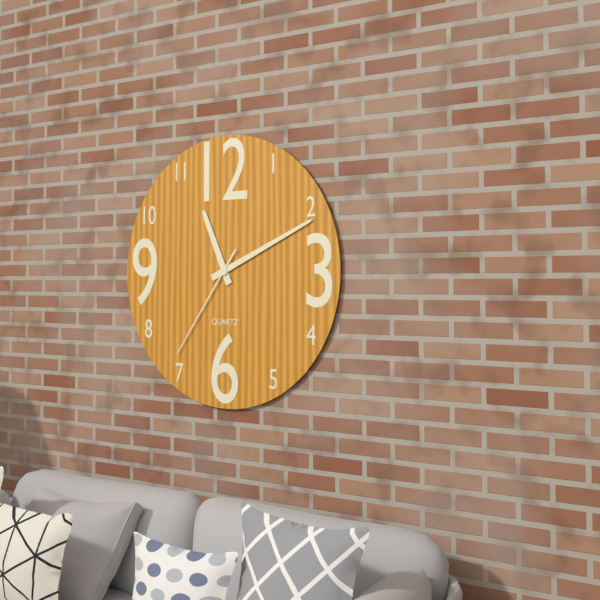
11 h 11 min 36 s
